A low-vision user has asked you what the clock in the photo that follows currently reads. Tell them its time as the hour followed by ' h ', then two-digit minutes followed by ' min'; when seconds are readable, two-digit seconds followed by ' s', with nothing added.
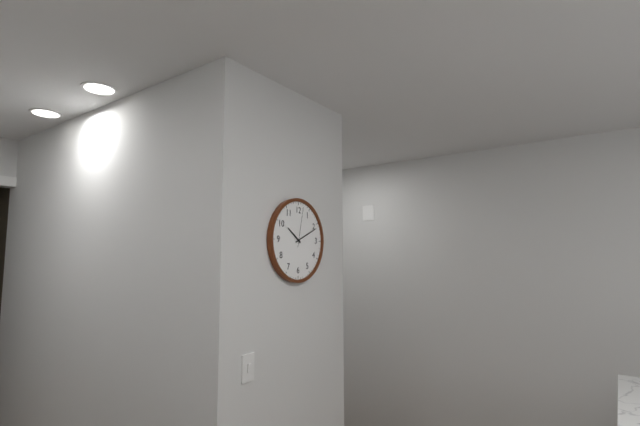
10 h 11 min
